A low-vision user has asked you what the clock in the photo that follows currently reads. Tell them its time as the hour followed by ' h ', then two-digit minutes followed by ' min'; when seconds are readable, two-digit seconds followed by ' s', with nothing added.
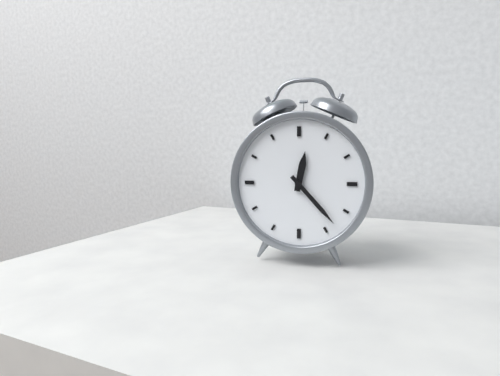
12 h 23 min
